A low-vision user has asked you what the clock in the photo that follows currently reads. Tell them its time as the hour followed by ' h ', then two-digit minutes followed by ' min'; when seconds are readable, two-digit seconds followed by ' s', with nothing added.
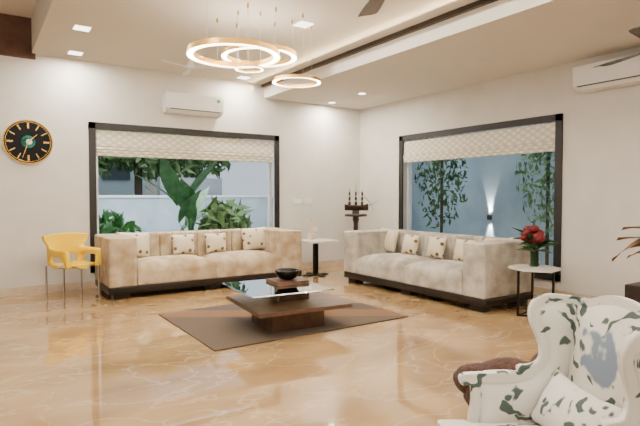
1 h 33 min
